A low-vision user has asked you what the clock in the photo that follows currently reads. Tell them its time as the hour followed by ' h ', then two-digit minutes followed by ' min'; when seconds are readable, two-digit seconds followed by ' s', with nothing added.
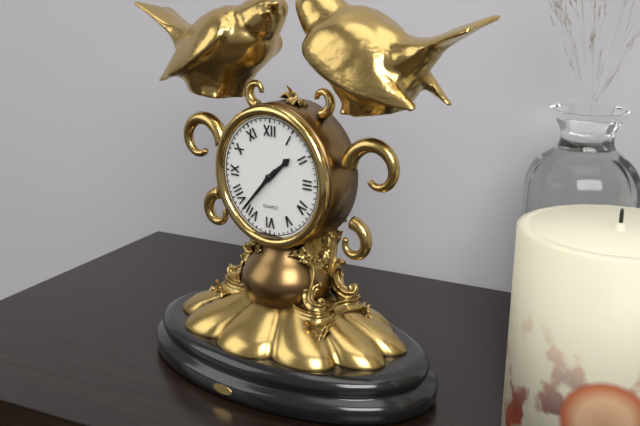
1 h 37 min
